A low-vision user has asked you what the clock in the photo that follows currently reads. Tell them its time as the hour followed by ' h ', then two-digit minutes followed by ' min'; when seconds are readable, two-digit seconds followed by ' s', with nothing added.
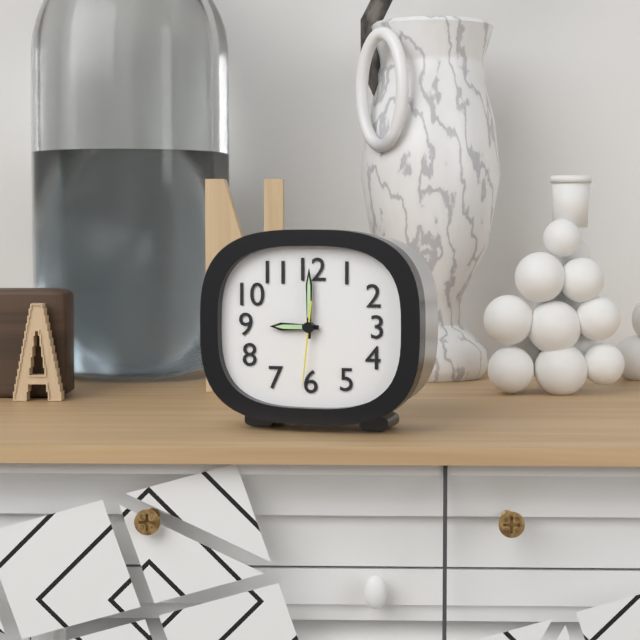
9 h 00 min 31 s
